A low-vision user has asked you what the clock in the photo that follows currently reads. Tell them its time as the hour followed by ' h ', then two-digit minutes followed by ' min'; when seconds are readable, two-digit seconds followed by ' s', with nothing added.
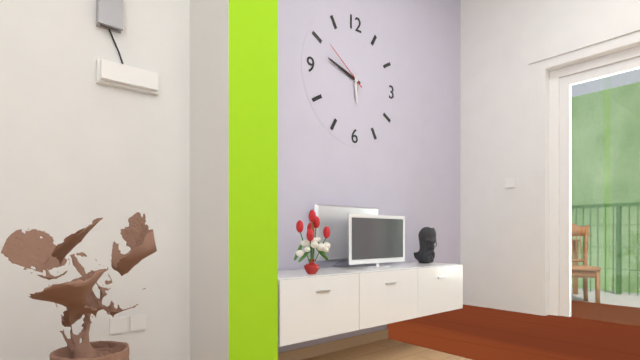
5 h 48 min 51 s
